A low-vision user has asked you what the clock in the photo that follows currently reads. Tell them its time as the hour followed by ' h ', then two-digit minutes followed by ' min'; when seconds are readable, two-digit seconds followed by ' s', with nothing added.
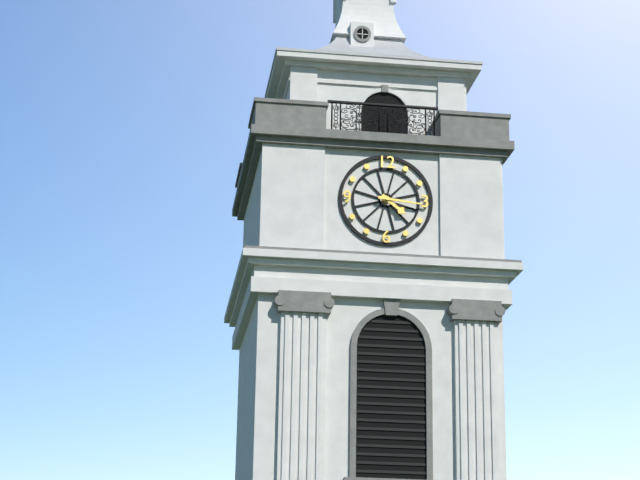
4 h 16 min
